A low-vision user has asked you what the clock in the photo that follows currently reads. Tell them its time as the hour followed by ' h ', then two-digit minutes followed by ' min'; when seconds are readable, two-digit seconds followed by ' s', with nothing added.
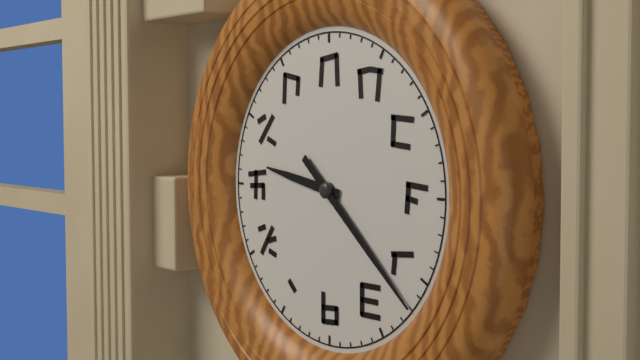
9 h 22 min
